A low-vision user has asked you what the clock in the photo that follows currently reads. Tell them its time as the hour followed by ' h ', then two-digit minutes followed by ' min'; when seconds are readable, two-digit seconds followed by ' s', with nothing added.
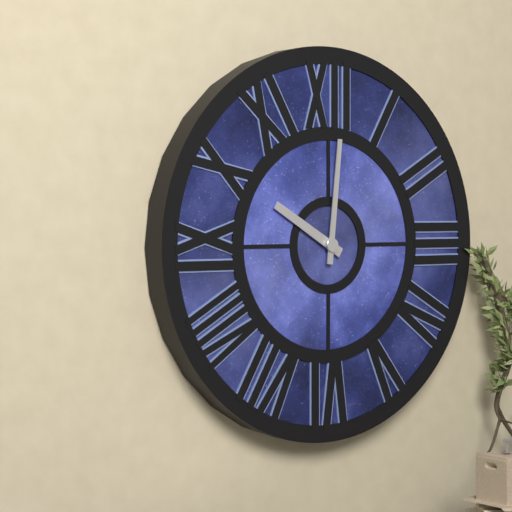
10 h 01 min
